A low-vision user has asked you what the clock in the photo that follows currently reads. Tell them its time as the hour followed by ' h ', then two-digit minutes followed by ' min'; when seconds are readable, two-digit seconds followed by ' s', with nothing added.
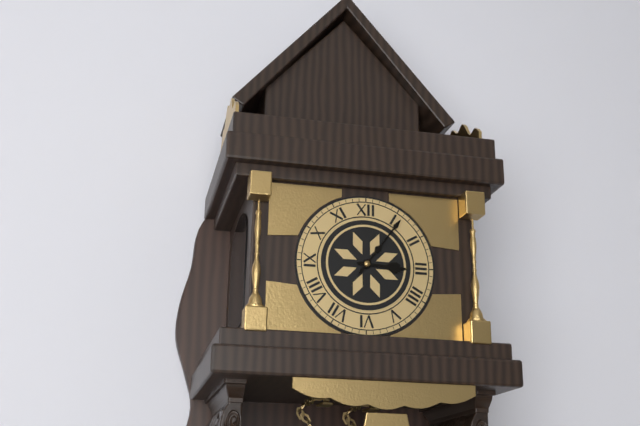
3 h 06 min
